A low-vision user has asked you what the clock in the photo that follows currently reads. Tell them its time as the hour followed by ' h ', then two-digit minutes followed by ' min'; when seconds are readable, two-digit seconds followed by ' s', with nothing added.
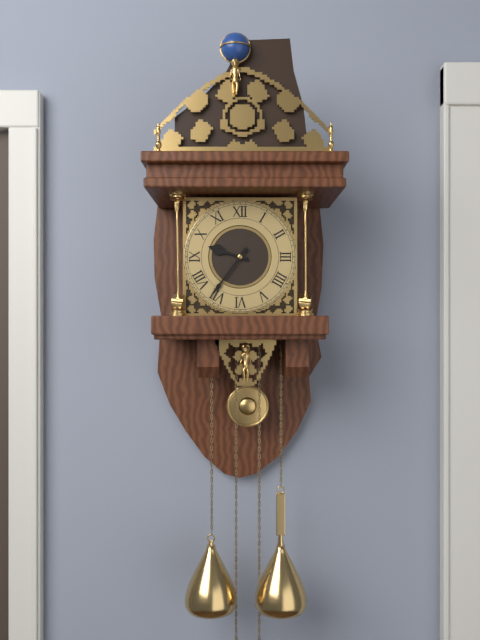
9 h 36 min
